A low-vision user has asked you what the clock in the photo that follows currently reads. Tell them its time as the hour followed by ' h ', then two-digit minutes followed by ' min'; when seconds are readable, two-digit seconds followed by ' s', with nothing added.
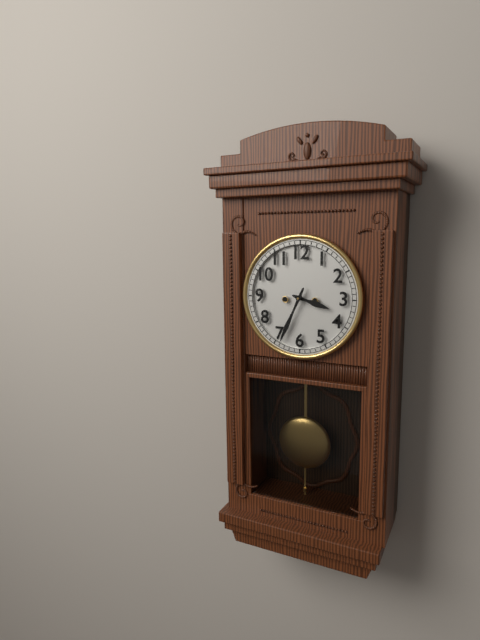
3 h 34 min
